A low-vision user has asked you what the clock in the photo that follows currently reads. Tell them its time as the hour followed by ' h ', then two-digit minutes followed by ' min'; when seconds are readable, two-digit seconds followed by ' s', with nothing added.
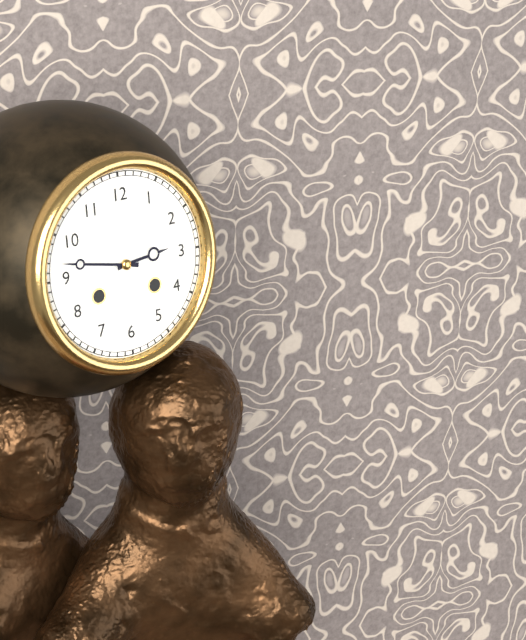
2 h 47 min
